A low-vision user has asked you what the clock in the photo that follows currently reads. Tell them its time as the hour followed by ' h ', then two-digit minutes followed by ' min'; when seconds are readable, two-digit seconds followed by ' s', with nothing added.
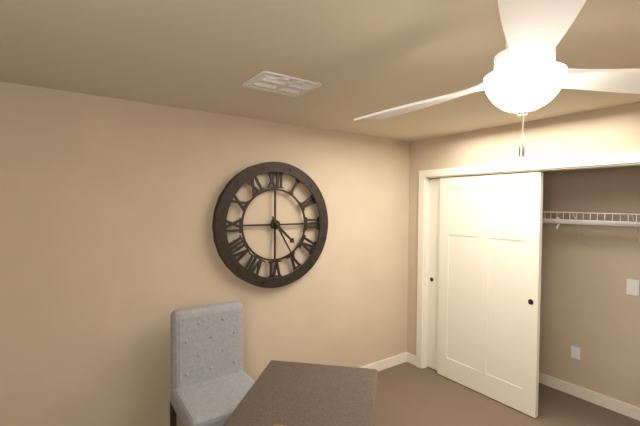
4 h 25 min
